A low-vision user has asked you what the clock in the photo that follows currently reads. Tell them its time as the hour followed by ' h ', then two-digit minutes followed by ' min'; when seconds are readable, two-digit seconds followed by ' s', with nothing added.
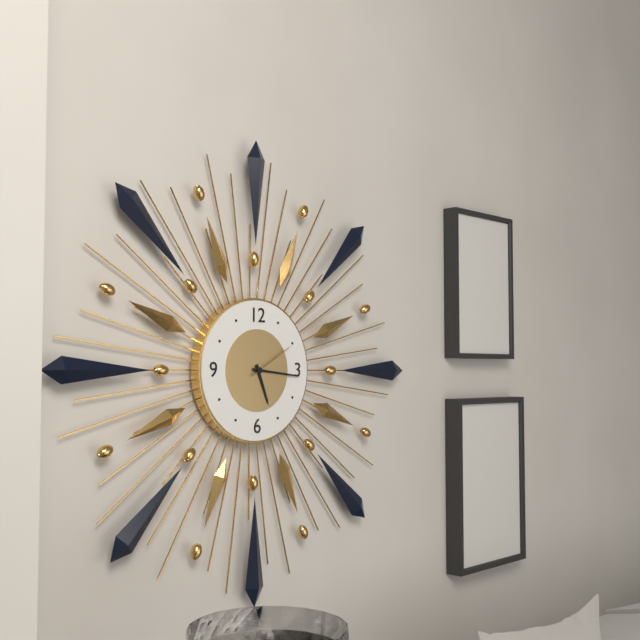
5 h 16 min
